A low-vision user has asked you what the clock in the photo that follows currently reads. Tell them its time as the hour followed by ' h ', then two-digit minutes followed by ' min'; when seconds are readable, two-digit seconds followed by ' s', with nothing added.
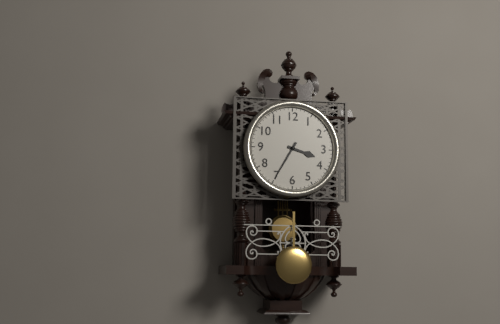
3 h 35 min
